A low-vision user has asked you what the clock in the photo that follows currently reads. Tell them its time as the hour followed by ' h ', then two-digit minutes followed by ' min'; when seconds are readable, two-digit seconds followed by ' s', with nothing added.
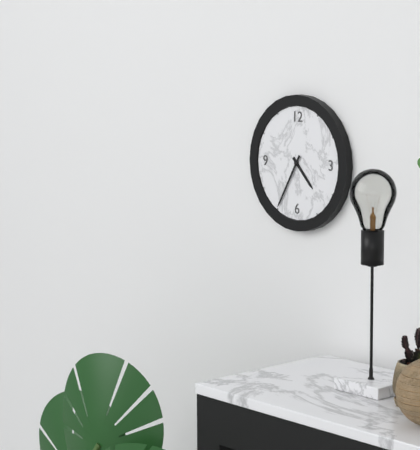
4 h 35 min
